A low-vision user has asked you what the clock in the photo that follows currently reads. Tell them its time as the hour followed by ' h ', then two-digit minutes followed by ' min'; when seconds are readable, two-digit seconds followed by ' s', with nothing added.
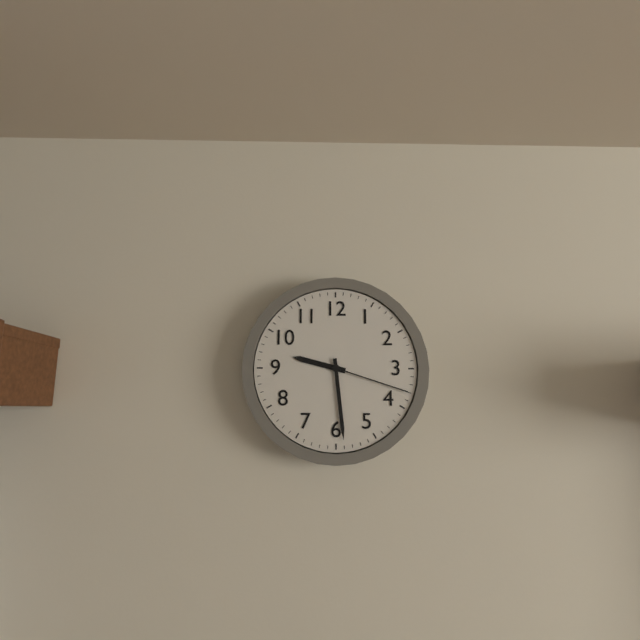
9 h 29 min 18 s
